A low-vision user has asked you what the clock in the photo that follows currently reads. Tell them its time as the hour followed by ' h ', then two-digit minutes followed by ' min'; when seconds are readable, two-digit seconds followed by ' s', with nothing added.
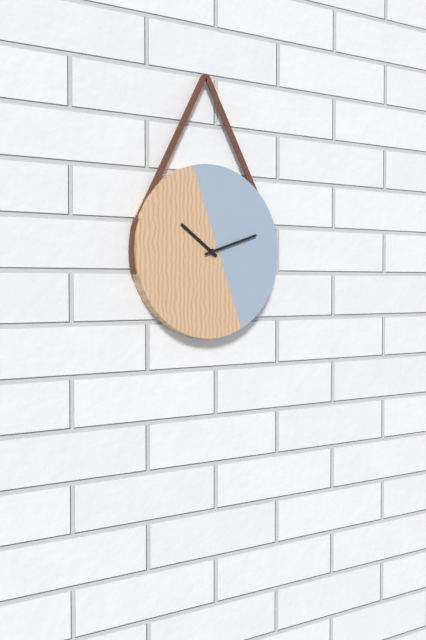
10 h 12 min
